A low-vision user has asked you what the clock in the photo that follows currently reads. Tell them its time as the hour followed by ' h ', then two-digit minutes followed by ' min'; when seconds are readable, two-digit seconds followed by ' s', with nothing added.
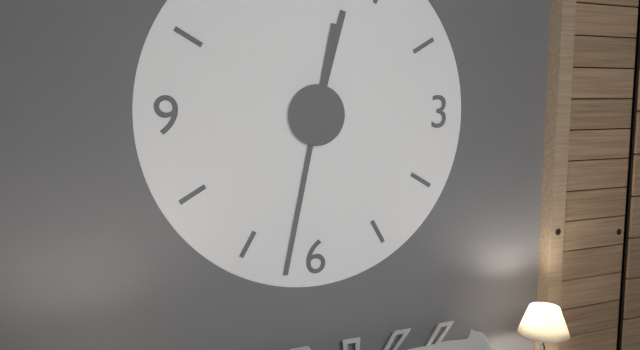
12 h 32 min
